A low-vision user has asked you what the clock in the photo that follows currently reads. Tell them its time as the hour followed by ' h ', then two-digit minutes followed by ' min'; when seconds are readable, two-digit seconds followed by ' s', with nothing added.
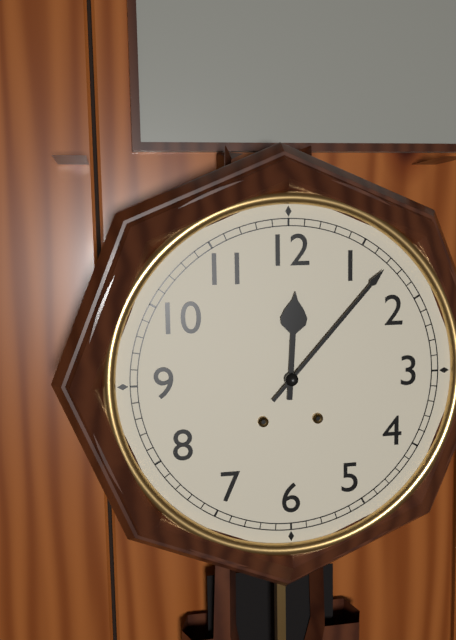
12 h 07 min
